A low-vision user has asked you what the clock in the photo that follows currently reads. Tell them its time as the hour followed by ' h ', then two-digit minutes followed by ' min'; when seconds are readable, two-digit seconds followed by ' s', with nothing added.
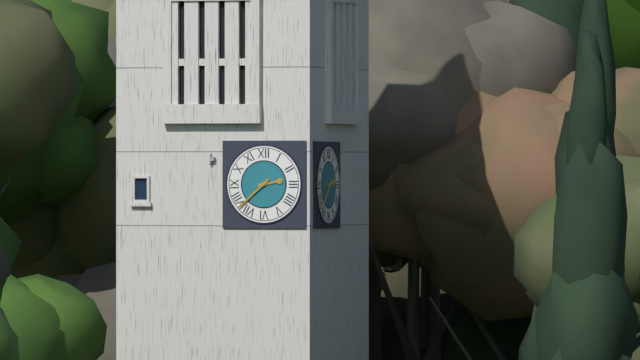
2 h 38 min
